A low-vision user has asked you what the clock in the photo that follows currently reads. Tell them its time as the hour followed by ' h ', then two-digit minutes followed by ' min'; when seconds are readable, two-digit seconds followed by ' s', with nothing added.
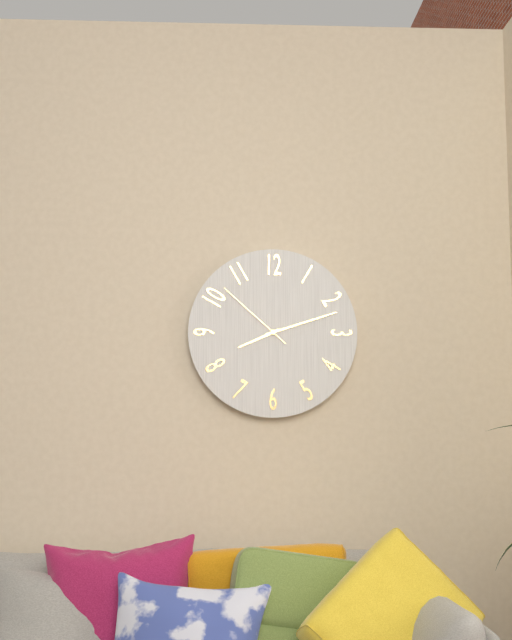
8 h 12 min 52 s
